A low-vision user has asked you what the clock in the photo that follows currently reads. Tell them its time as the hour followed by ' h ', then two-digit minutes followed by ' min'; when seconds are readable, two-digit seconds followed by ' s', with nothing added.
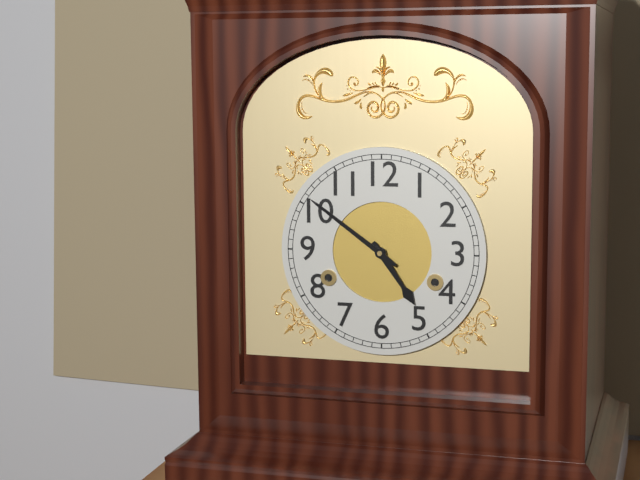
4 h 51 min
